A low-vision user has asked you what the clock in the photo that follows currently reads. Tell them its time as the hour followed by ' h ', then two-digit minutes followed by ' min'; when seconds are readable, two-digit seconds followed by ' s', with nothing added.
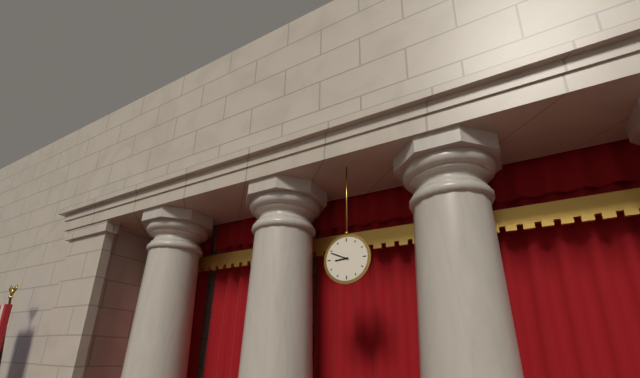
8 h 49 min
